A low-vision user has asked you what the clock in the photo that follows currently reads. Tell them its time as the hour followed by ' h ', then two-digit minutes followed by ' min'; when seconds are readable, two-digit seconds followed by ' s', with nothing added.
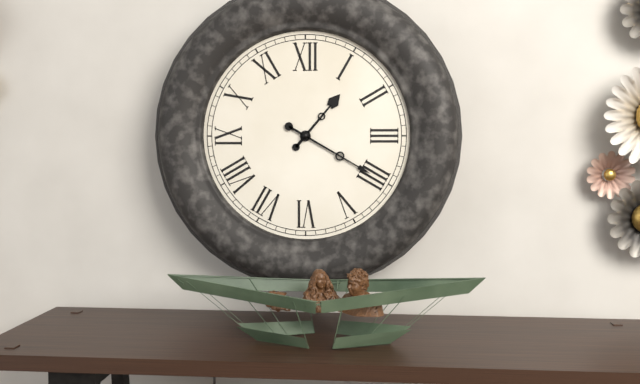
1 h 20 min
